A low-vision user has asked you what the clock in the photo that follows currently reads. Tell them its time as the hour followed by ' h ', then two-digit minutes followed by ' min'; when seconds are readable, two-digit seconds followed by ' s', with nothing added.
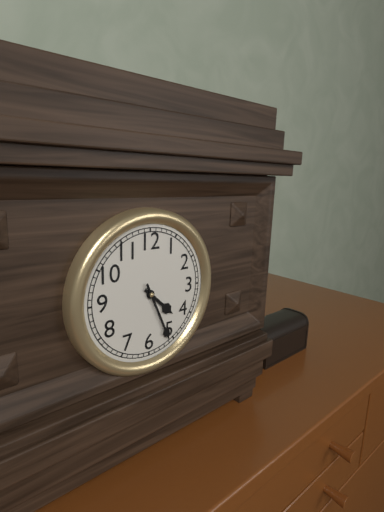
4 h 26 min
